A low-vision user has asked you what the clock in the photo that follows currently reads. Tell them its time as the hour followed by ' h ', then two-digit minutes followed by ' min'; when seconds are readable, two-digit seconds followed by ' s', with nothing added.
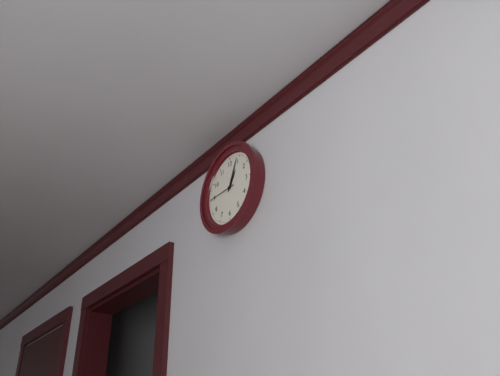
1 h 04 min
